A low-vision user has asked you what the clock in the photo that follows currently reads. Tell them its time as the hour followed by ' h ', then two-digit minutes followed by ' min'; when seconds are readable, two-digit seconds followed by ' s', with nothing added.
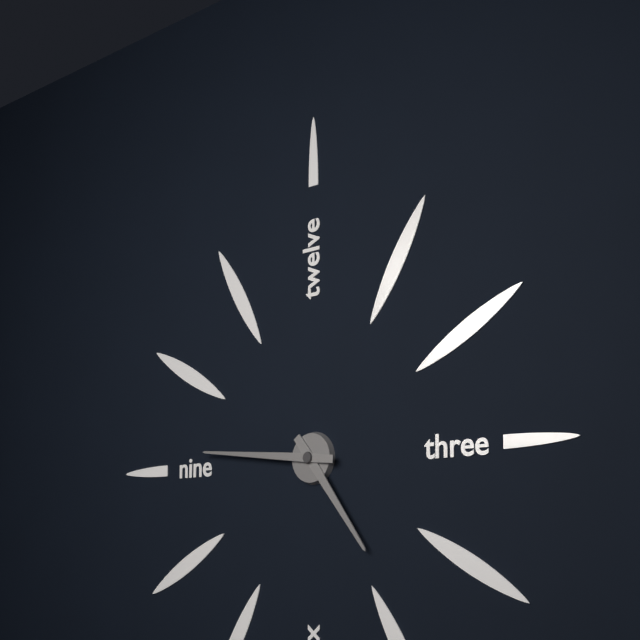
4 h 46 min
